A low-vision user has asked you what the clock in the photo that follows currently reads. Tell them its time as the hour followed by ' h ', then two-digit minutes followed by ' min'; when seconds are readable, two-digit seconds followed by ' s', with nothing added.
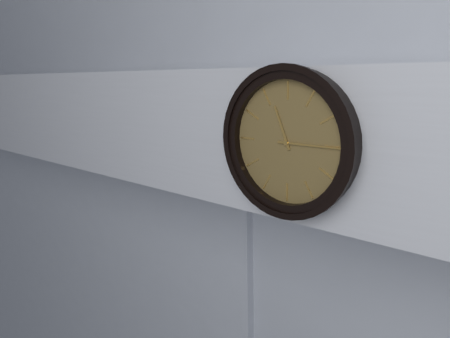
11 h 15 min
